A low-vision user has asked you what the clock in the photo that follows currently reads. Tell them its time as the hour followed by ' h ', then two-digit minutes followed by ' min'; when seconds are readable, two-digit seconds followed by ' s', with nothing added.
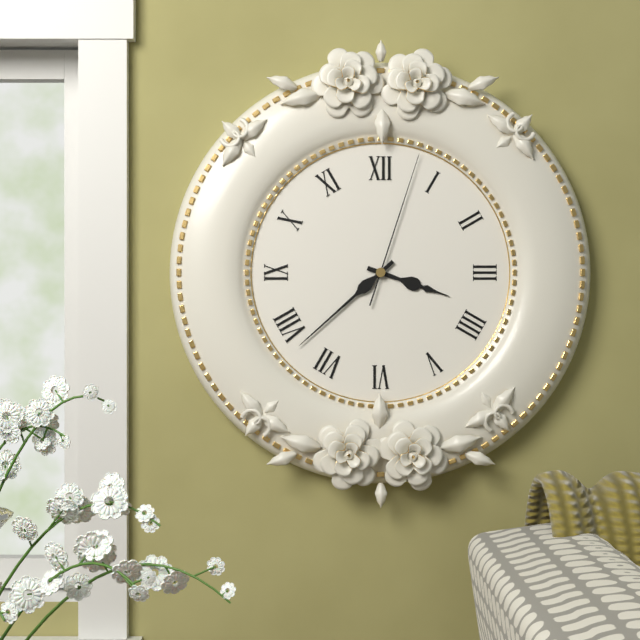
3 h 38 min 03 s
